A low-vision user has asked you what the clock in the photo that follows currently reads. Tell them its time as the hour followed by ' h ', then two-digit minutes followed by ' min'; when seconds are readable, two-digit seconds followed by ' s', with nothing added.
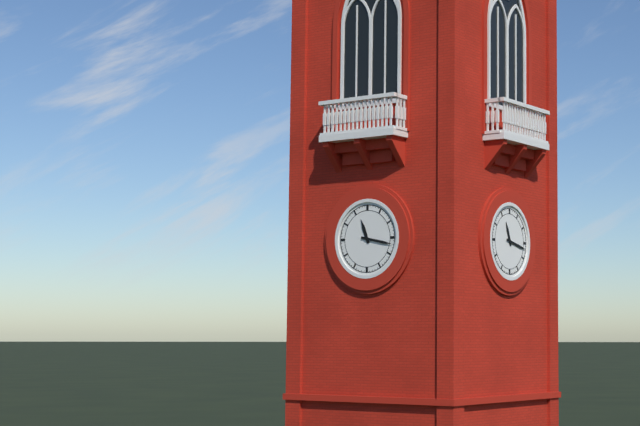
11 h 17 min
